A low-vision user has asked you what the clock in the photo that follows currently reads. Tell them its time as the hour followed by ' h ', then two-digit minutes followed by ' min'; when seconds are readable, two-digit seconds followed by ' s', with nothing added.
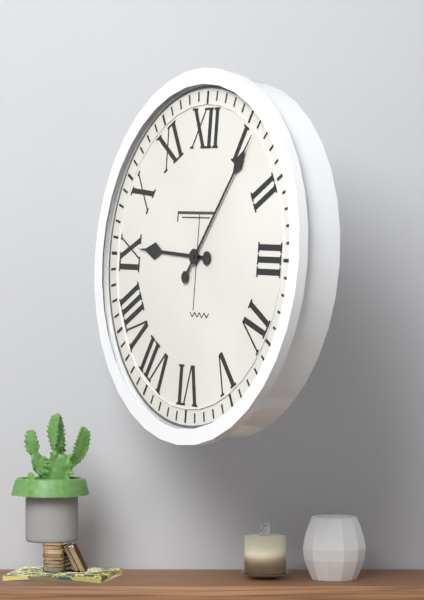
9 h 06 min
